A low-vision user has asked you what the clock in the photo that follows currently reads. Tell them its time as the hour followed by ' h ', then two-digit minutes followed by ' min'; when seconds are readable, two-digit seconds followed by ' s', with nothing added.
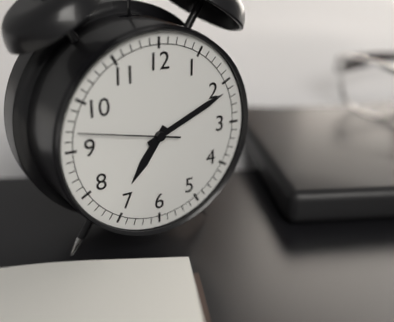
7 h 11 min 47 s
